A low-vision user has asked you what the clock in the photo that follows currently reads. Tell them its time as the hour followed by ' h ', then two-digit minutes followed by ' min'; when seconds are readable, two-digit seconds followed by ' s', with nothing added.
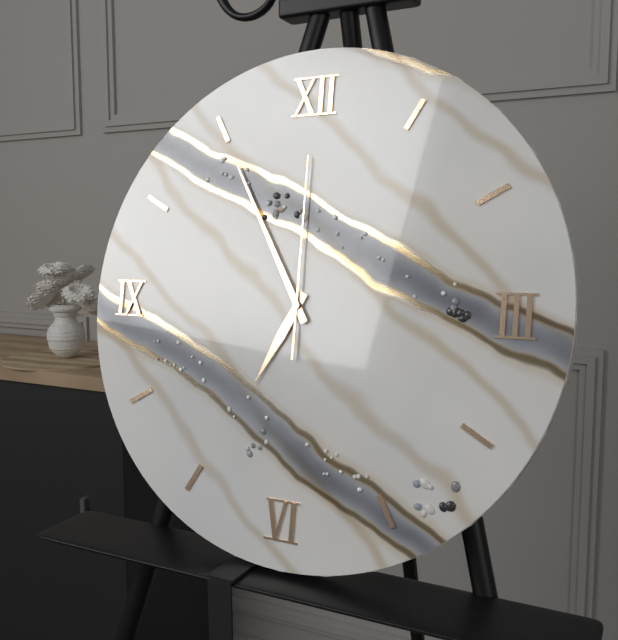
6 h 55 min 00 s
